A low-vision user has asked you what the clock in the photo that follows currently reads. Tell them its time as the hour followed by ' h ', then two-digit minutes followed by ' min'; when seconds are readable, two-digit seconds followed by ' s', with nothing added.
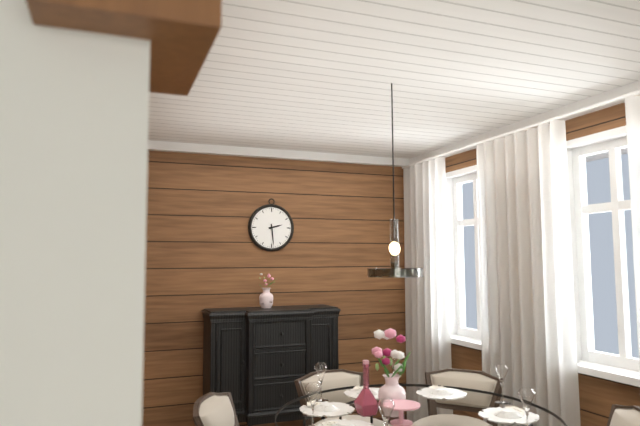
2 h 29 min
